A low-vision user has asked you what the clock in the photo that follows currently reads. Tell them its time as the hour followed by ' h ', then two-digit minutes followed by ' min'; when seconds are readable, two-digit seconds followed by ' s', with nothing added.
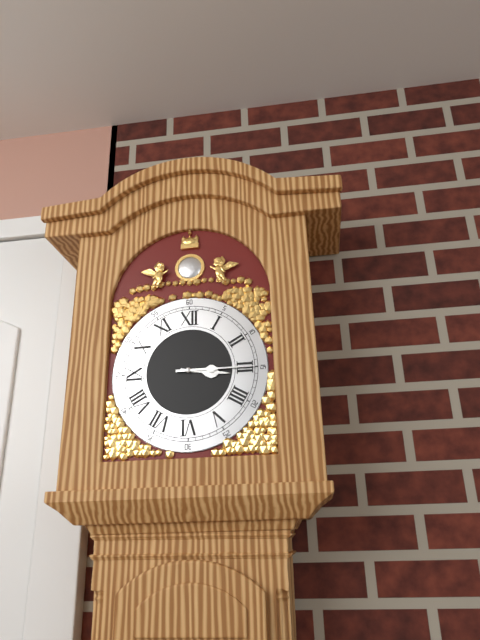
3 h 15 min
